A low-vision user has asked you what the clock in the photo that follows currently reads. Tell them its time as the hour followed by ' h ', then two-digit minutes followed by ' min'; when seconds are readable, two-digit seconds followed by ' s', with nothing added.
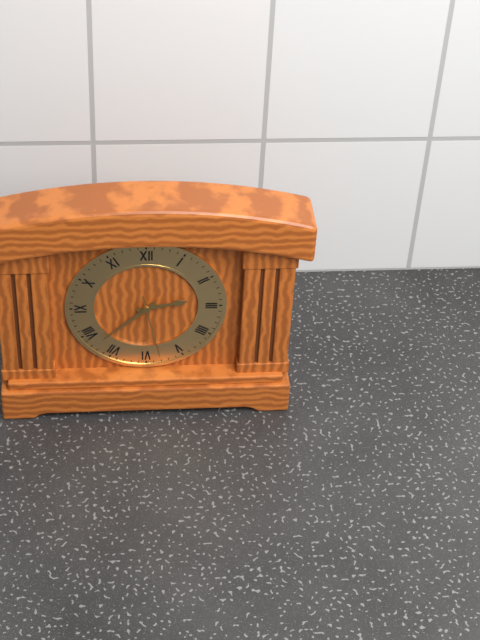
2 h 38 min 28 s
